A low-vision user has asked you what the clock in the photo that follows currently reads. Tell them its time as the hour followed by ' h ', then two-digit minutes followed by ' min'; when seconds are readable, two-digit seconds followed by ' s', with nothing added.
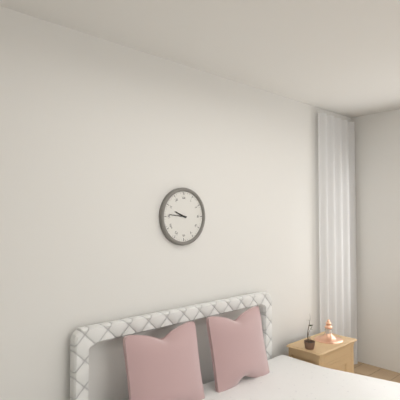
9 h 46 min
